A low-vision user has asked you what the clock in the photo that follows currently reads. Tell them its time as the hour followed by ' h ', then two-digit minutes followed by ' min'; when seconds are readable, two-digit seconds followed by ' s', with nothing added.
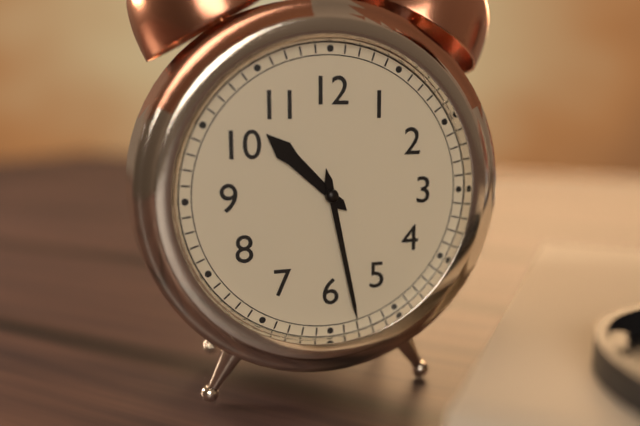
10 h 28 min
